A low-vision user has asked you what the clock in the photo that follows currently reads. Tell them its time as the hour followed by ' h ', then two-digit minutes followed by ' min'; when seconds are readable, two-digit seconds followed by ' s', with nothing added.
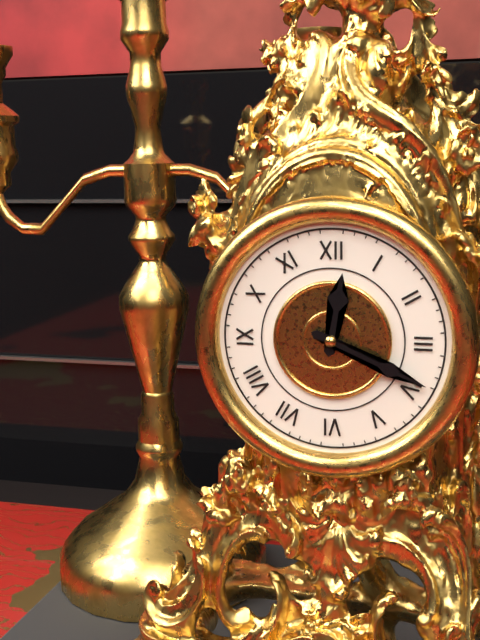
12 h 19 min
